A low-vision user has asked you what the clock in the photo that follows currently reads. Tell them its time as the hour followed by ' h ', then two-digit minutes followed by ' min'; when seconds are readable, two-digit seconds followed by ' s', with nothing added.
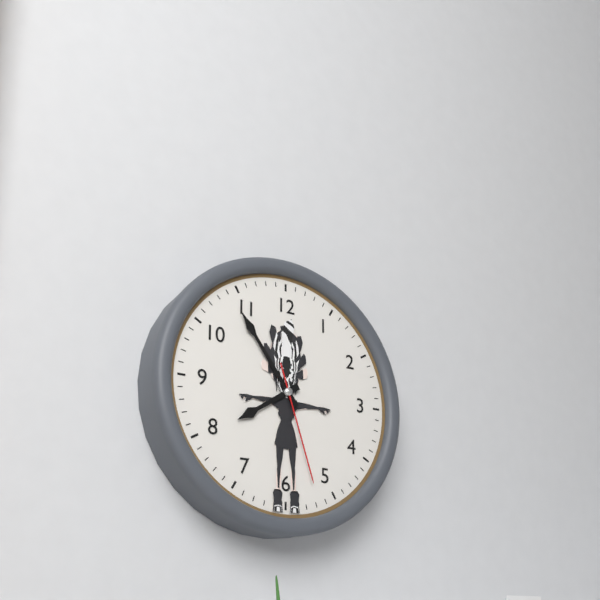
7 h 54 min 27 s
